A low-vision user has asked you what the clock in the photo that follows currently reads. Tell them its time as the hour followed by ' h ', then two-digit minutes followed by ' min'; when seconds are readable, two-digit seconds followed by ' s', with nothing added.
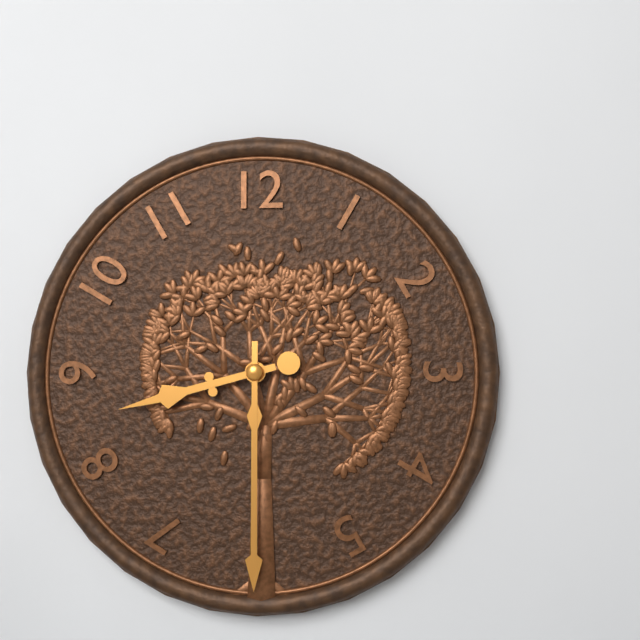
8 h 30 min
